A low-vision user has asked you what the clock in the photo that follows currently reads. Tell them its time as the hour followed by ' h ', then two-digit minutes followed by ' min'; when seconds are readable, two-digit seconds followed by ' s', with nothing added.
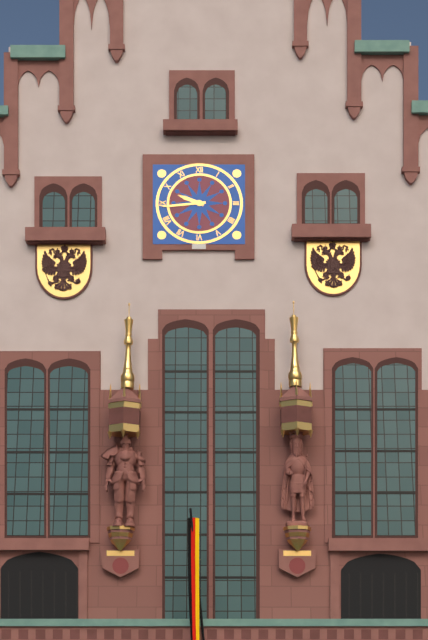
9 h 44 min
